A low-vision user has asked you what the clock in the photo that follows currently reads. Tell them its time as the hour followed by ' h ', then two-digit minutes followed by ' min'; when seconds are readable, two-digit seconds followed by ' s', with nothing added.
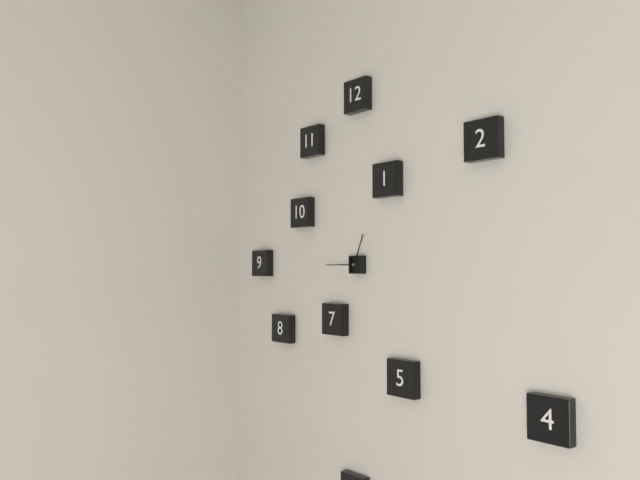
12 h 45 min
